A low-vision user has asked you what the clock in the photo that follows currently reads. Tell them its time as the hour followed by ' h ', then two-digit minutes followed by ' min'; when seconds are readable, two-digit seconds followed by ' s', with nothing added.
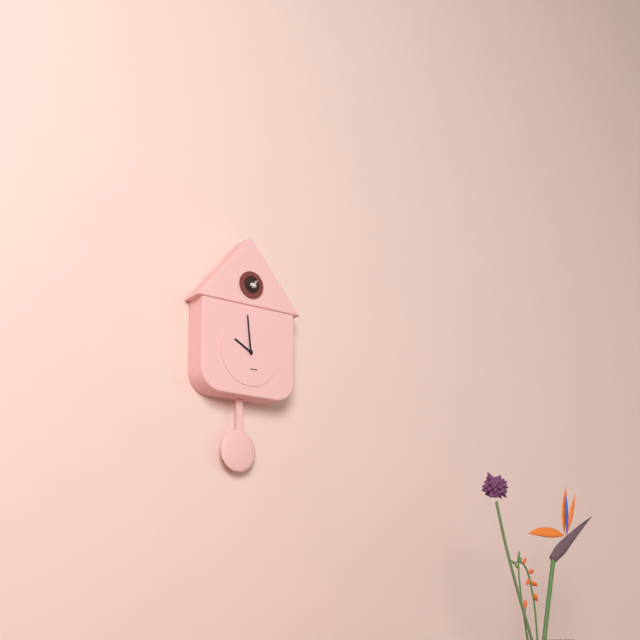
9 h 59 min
